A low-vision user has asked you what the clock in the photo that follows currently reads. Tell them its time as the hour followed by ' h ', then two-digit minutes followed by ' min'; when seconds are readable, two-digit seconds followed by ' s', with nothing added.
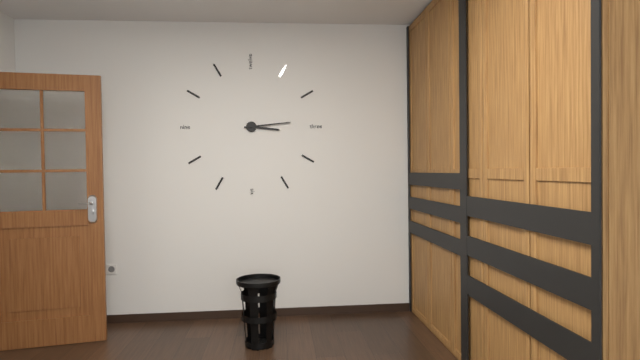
3 h 14 min
